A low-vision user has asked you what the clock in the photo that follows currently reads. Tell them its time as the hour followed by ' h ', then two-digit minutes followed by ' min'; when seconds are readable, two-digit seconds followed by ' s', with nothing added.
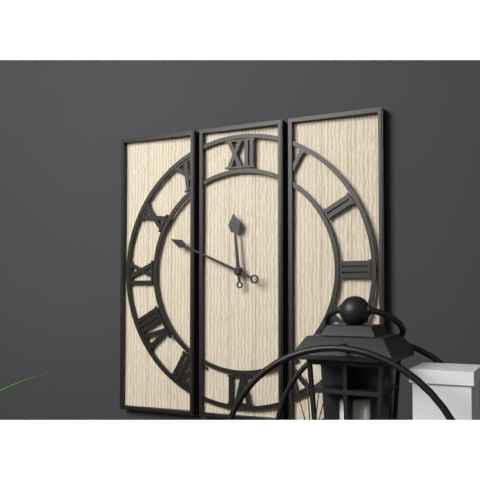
11 h 49 min
